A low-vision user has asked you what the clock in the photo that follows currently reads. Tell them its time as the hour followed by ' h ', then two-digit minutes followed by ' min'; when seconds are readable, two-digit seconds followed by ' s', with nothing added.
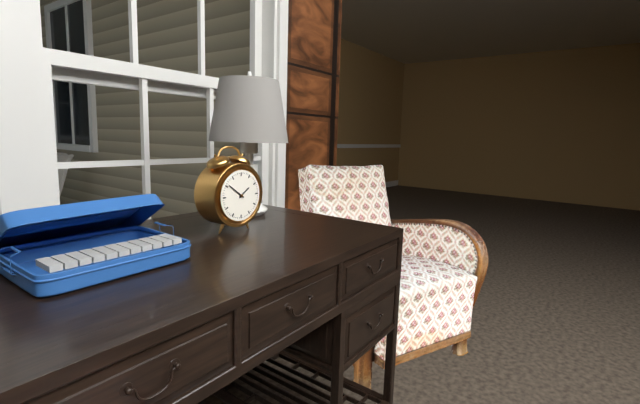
1 h 51 min
